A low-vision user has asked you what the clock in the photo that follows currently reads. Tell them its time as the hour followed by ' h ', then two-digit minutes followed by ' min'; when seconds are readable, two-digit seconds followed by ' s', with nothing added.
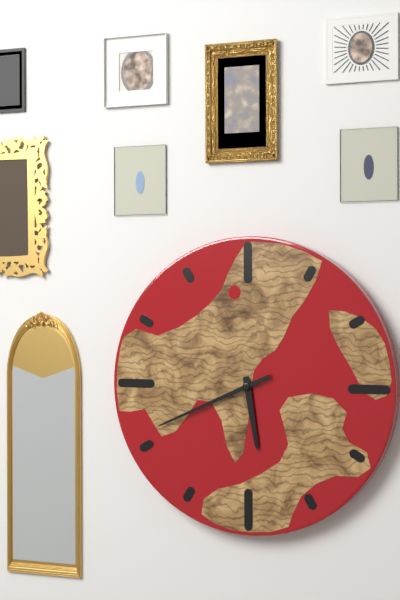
5 h 41 min
